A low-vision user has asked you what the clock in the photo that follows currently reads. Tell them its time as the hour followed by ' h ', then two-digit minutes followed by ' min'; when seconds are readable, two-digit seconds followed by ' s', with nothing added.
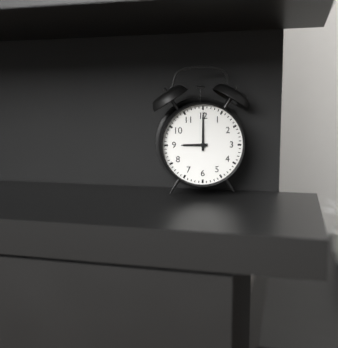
9 h 00 min
